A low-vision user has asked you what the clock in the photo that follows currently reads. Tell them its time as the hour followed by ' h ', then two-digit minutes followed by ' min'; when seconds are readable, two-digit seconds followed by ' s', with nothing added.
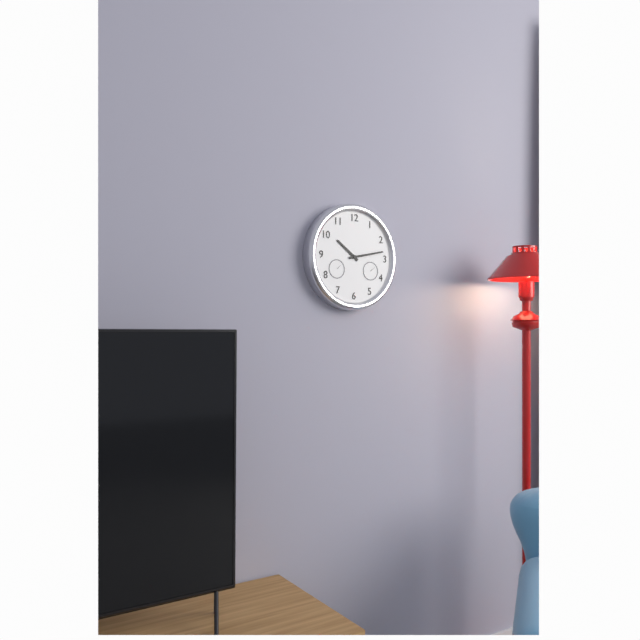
10 h 13 min
